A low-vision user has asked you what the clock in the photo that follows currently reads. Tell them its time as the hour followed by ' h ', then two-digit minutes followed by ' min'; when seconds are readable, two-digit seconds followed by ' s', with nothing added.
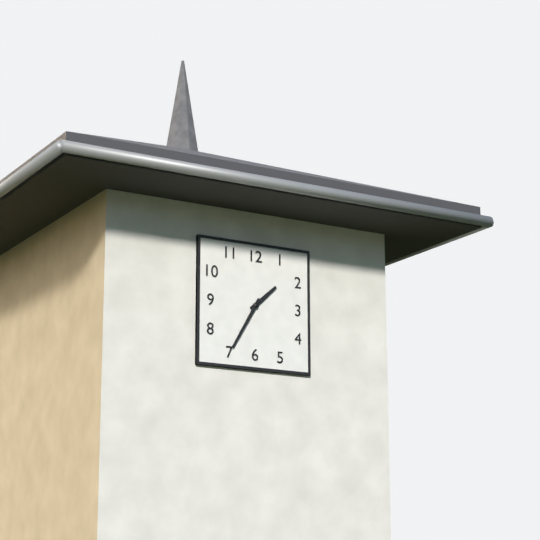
1 h 35 min
